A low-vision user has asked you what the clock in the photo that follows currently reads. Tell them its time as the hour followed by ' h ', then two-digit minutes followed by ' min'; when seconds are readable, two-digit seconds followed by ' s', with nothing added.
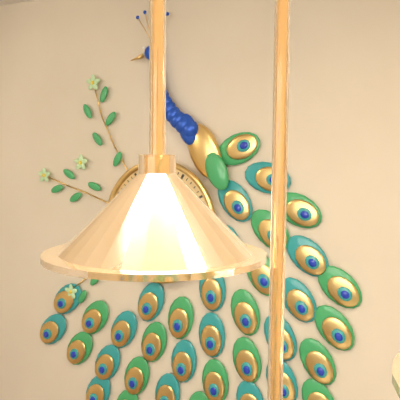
7 h 18 min
